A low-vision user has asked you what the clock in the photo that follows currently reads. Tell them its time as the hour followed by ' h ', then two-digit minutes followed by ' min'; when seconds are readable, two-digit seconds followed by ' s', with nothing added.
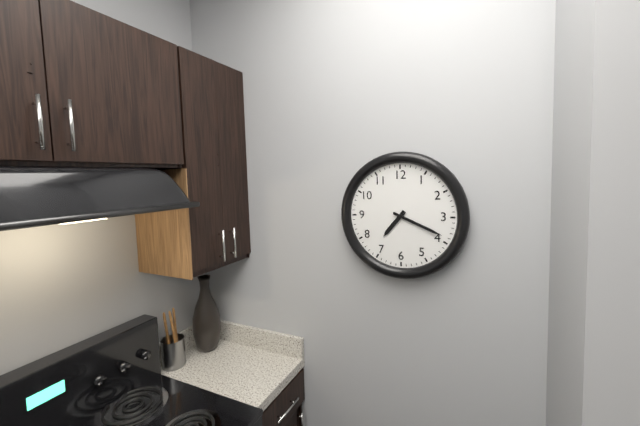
7 h 19 min
